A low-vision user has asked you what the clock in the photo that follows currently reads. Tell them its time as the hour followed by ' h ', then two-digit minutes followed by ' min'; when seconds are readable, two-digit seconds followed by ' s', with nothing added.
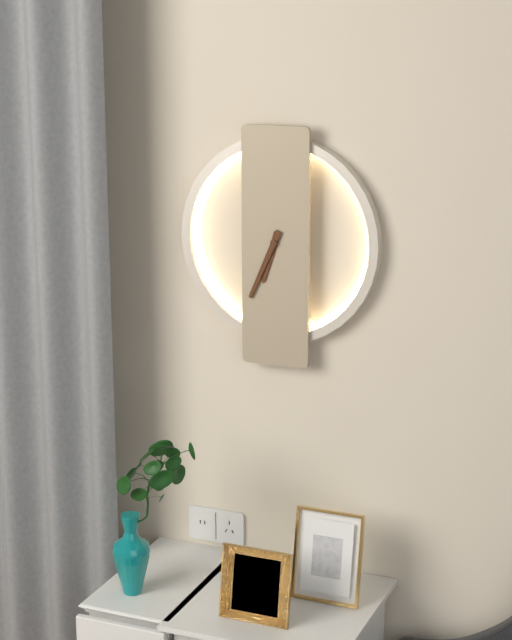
6 h 34 min
